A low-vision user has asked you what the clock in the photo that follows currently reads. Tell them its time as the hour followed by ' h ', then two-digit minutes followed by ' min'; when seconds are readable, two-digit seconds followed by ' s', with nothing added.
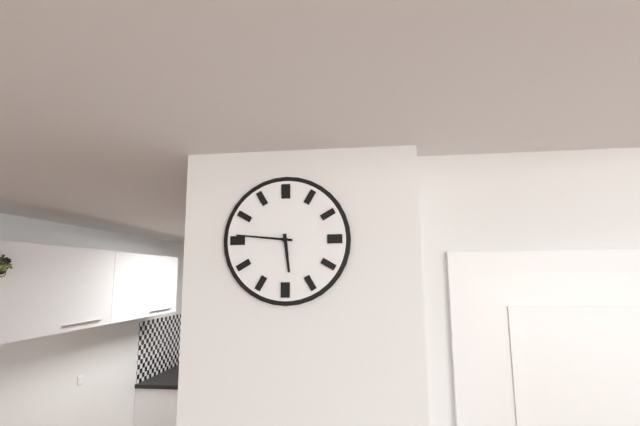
5 h 46 min
